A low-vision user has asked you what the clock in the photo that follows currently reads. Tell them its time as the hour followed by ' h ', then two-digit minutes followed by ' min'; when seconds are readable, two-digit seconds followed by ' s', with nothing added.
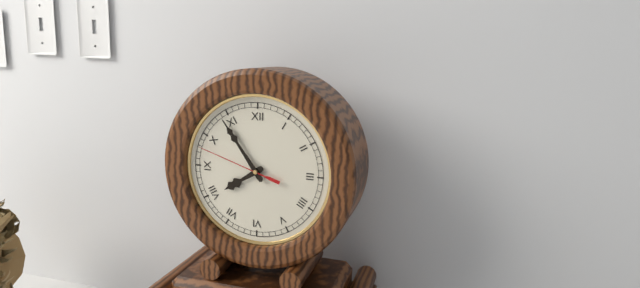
7 h 54 min 48 s
